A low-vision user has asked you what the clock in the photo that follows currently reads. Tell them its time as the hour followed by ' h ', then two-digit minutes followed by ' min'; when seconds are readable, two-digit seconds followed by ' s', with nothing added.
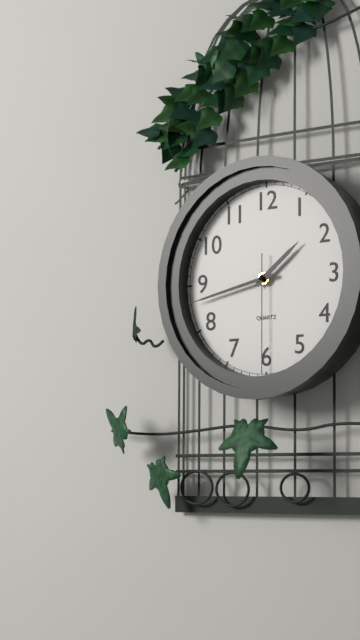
1 h 43 min 30 s
